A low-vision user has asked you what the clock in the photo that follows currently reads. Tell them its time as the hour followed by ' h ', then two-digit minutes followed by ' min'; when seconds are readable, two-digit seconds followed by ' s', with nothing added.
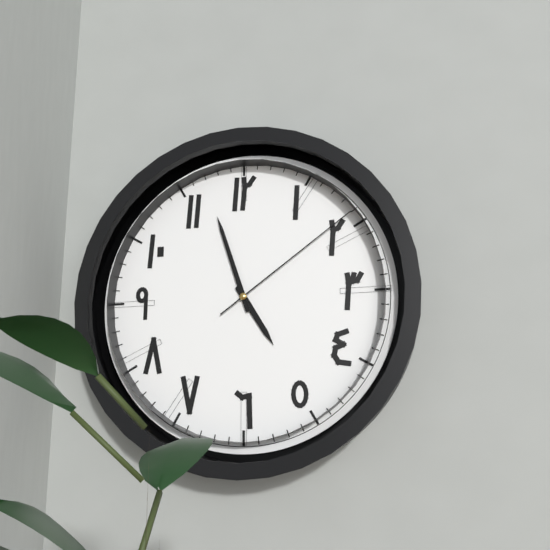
4 h 57 min 09 s
